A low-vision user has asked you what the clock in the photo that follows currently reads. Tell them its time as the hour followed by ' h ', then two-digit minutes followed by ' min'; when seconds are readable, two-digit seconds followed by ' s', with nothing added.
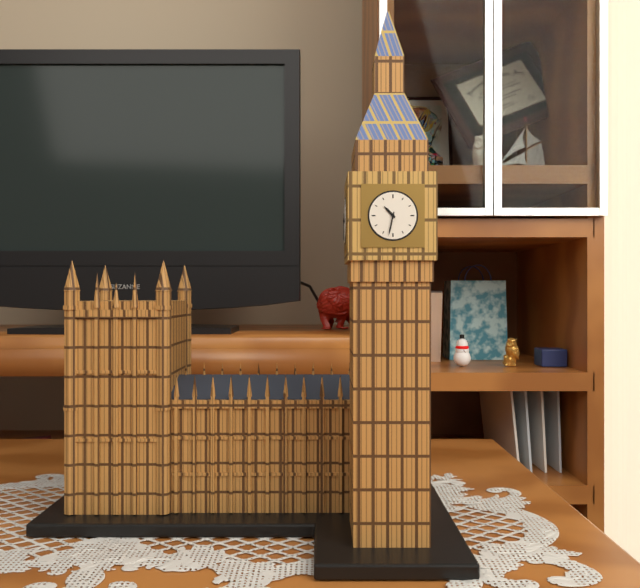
10 h 32 min
